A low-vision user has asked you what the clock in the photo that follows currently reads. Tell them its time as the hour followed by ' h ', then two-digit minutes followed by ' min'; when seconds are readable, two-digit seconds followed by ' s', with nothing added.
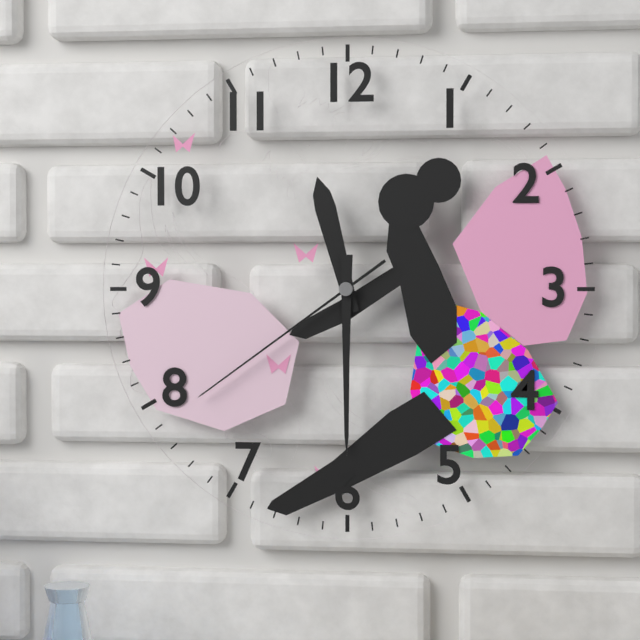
11 h 30 min 39 s
